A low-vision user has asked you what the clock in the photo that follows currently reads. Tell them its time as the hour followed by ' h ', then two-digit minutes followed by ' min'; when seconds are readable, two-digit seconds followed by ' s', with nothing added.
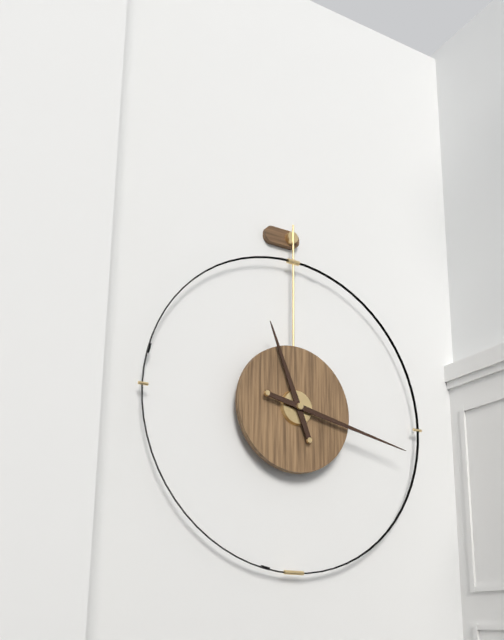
11 h 17 min
